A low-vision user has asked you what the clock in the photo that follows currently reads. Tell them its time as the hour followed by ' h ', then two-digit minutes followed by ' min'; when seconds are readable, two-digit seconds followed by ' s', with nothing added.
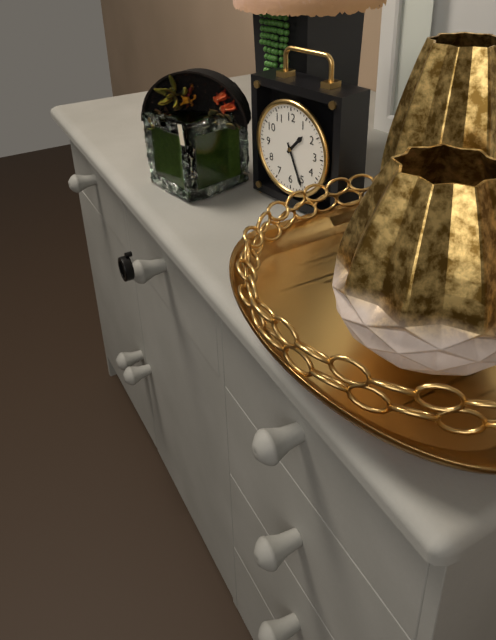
1 h 26 min
